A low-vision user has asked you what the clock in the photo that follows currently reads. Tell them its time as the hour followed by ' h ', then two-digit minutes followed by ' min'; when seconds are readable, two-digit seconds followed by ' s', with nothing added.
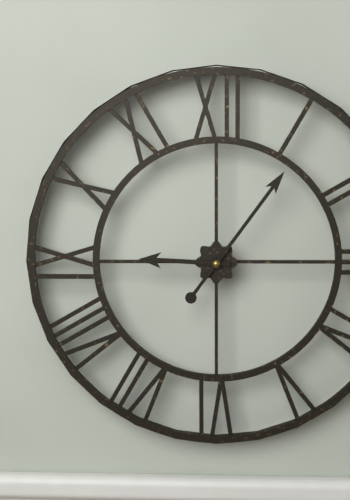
9 h 06 min
